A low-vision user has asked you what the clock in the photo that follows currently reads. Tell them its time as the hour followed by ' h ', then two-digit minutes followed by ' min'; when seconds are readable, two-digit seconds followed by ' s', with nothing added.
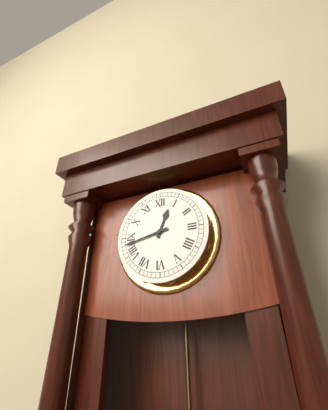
12 h 43 min
